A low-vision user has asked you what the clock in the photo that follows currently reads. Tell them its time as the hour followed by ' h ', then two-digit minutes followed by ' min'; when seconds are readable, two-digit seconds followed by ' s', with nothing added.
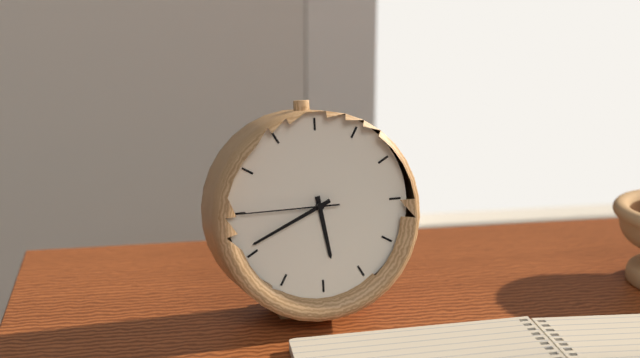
5 h 41 min 45 s
